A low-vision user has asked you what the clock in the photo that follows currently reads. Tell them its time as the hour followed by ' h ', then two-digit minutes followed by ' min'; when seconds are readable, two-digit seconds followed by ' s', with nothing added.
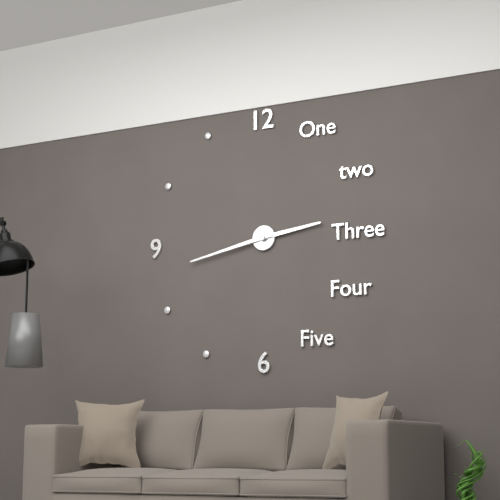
2 h 43 min
